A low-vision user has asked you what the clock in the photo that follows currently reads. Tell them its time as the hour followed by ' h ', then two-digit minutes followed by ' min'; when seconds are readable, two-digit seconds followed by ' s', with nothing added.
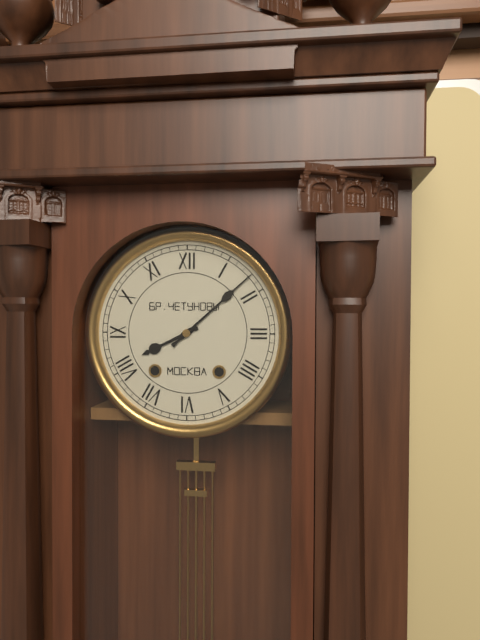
8 h 08 min
